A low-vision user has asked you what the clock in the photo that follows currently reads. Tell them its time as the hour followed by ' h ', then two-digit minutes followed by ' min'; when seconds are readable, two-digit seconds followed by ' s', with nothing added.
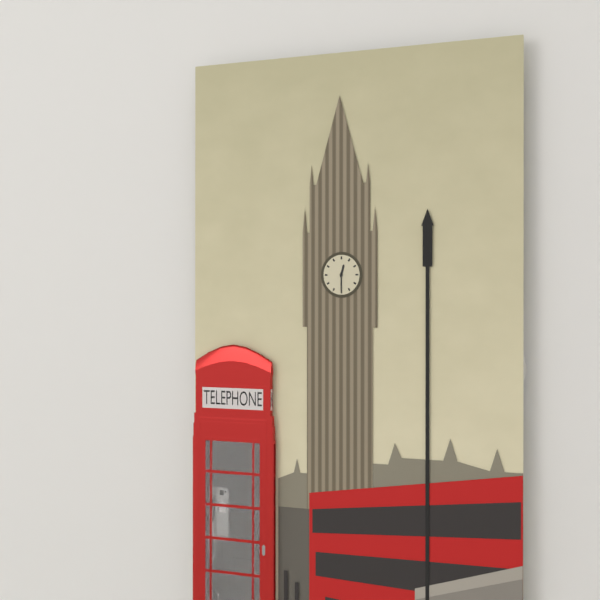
12 h 30 min
